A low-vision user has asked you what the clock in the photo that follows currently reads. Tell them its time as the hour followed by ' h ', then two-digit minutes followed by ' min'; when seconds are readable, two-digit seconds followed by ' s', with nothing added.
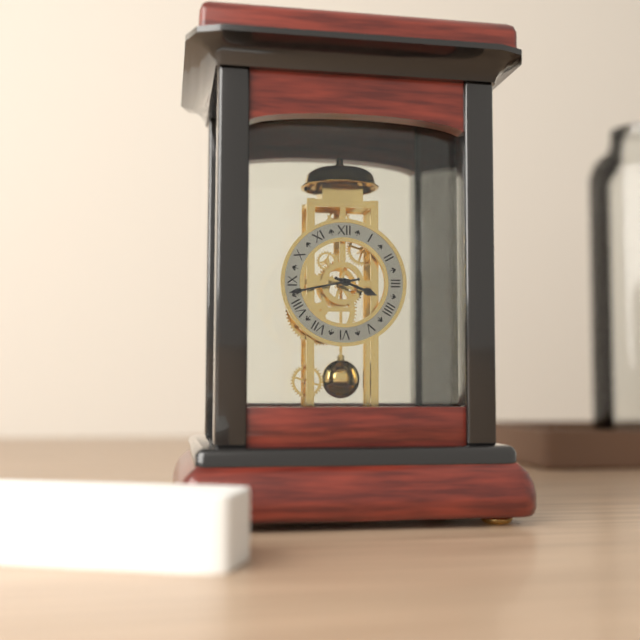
3 h 43 min
